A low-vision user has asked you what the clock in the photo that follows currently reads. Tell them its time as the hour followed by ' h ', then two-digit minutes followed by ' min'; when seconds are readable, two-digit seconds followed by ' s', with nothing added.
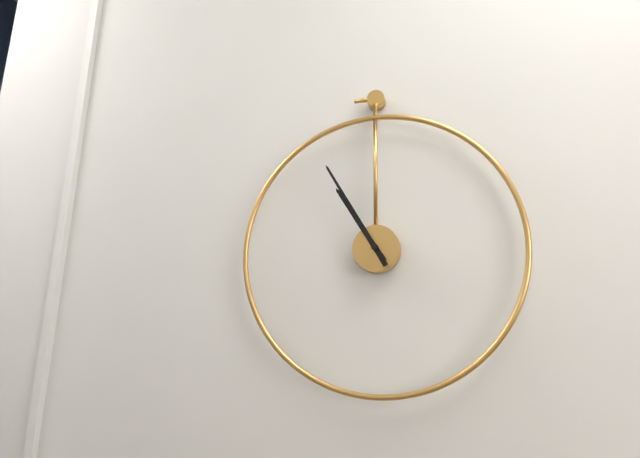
10 h 55 min
